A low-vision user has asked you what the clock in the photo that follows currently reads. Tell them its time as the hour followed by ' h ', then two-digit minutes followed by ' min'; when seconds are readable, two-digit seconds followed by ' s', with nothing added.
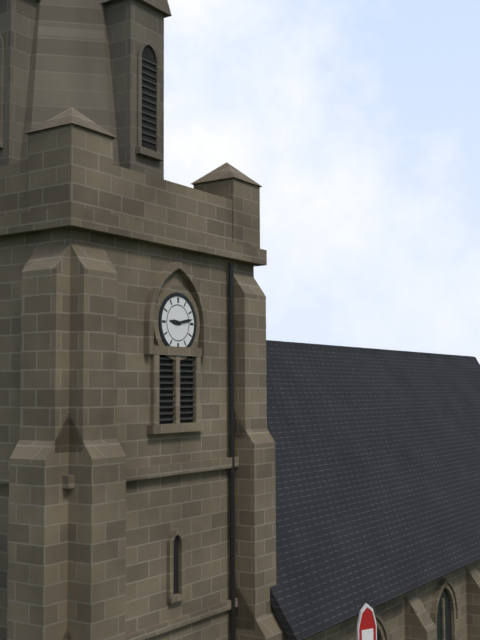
9 h 13 min
